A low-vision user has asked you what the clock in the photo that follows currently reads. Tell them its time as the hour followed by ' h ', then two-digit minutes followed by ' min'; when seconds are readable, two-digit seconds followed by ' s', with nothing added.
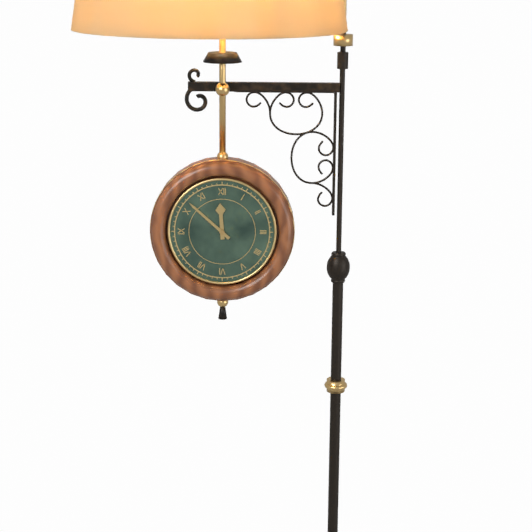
11 h 52 min
